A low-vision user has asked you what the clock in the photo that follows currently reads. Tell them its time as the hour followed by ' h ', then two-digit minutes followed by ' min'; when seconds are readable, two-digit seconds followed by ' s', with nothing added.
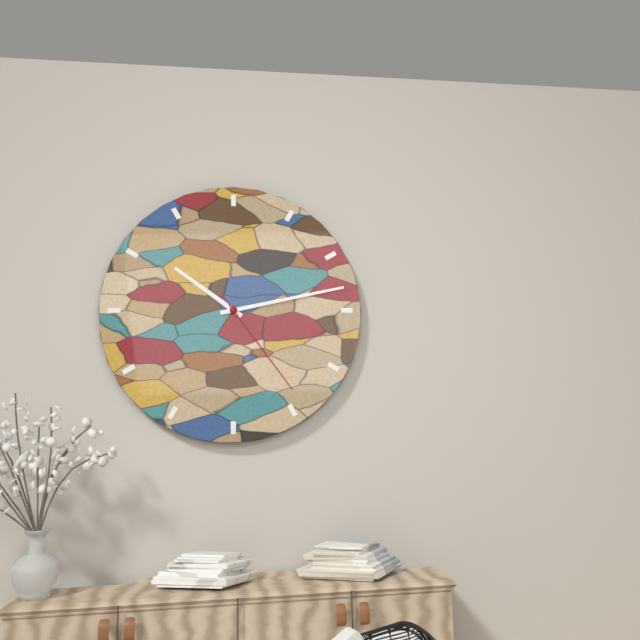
10 h 13 min 24 s
